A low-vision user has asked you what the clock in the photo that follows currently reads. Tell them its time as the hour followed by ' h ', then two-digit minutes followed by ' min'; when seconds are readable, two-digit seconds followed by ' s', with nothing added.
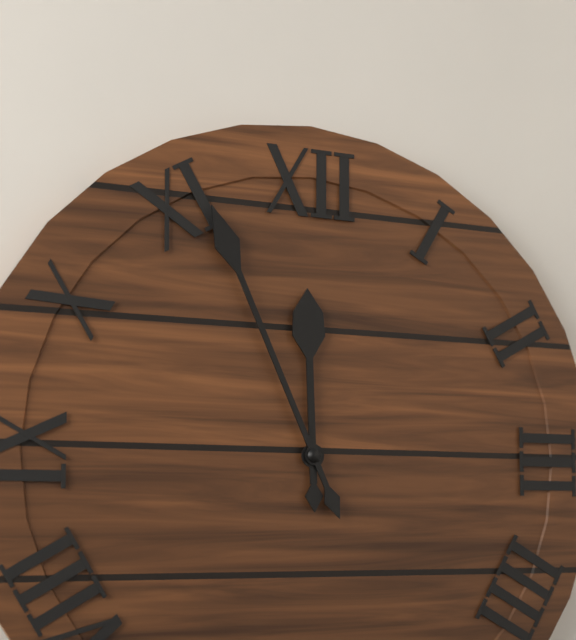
11 h 56 min
